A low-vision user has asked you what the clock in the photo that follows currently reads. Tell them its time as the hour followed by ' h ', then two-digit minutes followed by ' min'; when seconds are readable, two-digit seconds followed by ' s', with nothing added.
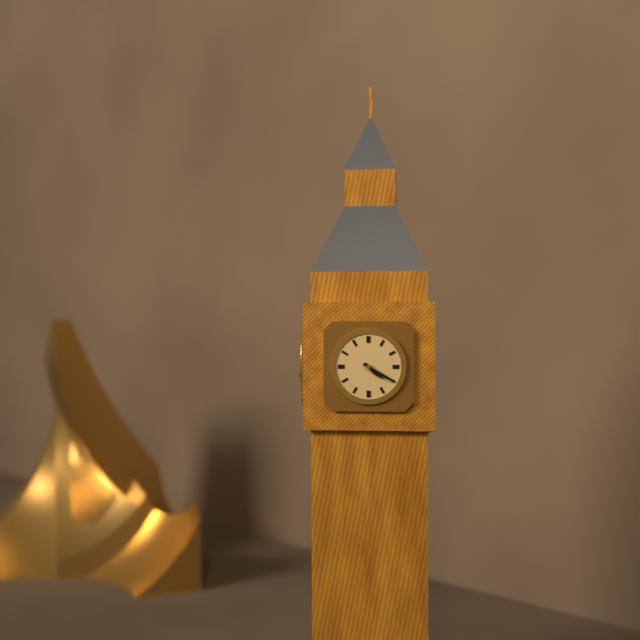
4 h 20 min
